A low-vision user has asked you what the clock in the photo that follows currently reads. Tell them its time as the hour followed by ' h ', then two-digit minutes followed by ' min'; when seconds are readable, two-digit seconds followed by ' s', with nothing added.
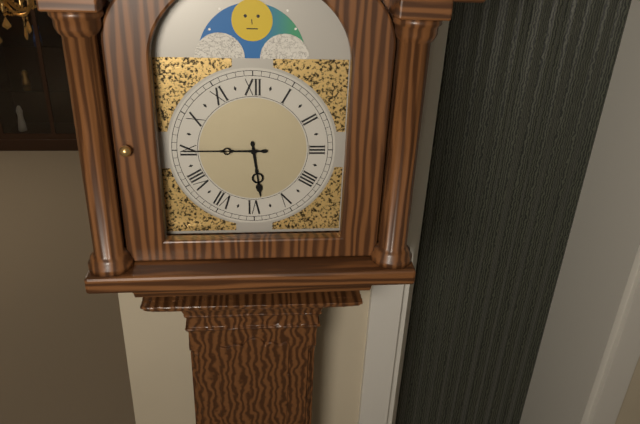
5 h 45 min
